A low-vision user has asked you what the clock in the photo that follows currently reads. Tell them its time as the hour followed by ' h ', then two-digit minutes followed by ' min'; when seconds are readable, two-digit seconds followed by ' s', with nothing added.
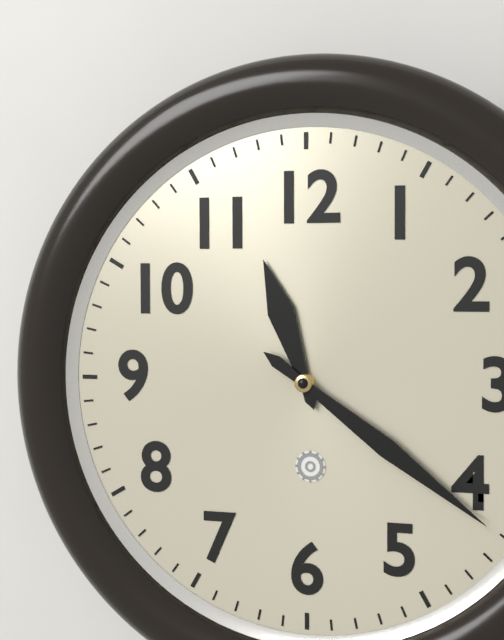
11 h 21 min
